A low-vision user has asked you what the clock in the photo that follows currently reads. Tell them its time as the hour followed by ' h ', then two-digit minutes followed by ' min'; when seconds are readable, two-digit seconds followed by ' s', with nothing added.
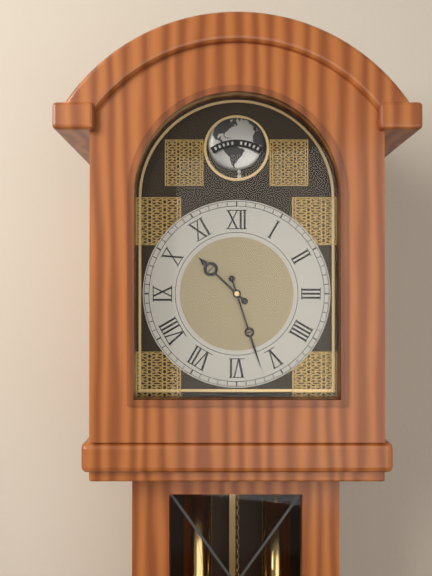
10 h 27 min
